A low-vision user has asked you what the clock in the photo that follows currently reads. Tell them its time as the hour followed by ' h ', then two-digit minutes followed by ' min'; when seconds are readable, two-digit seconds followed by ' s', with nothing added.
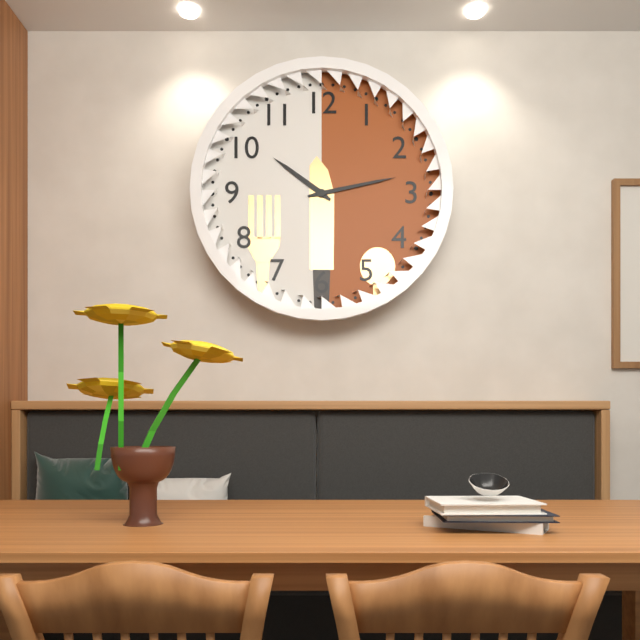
10 h 13 min
